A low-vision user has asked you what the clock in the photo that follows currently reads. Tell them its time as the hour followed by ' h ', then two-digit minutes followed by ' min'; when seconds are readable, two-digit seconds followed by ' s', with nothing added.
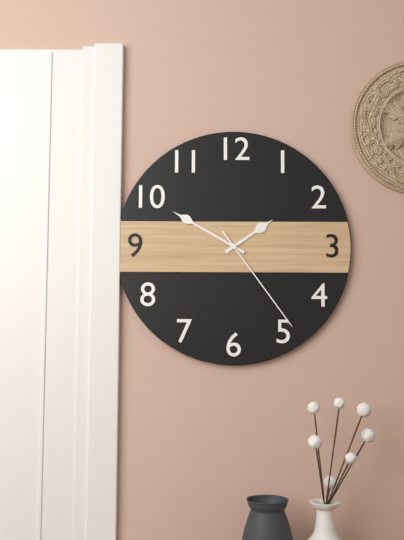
1 h 50 min 24 s
